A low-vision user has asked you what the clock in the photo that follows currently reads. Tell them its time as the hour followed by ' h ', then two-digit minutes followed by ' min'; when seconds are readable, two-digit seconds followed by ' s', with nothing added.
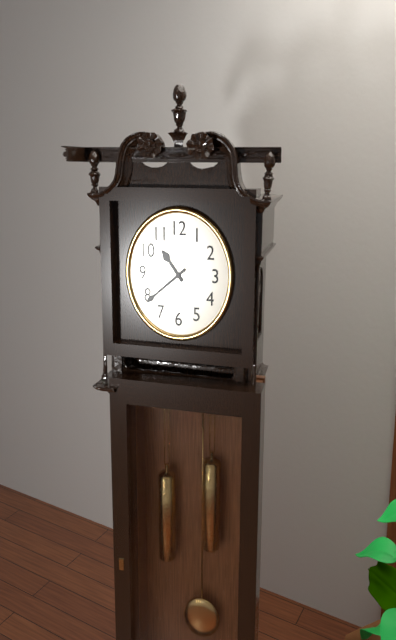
10 h 39 min
